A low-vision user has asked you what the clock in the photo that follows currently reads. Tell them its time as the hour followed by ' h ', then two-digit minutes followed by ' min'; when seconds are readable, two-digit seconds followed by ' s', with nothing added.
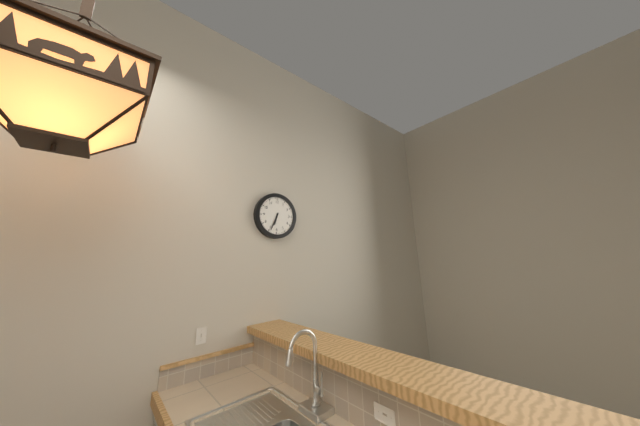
6 h 34 min
